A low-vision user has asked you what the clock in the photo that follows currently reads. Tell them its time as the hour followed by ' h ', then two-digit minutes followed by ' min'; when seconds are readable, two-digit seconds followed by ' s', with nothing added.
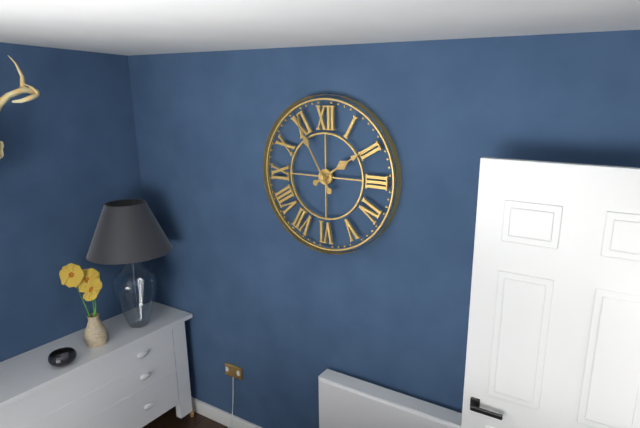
1 h 55 min
